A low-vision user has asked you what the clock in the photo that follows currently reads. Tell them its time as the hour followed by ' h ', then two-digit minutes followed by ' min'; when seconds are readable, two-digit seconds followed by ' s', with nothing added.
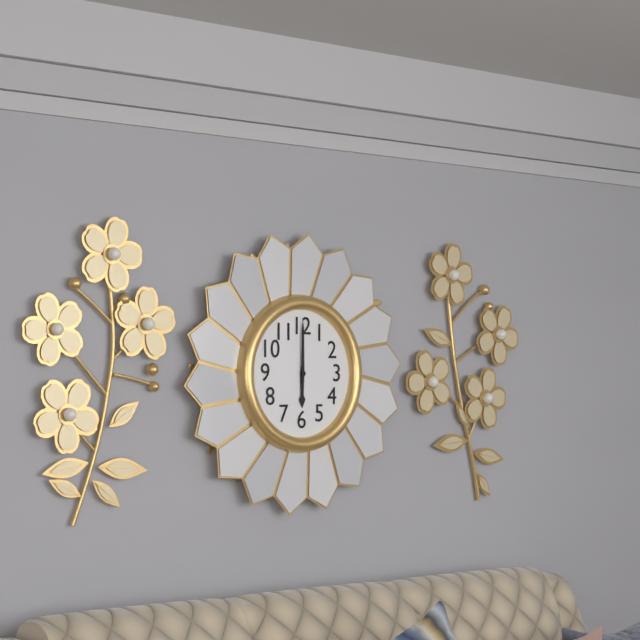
6 h 00 min
